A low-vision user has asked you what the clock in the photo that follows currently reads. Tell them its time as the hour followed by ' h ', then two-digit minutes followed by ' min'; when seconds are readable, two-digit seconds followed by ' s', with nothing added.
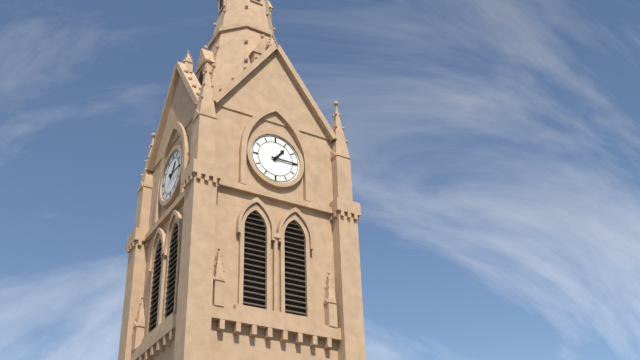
1 h 15 min
